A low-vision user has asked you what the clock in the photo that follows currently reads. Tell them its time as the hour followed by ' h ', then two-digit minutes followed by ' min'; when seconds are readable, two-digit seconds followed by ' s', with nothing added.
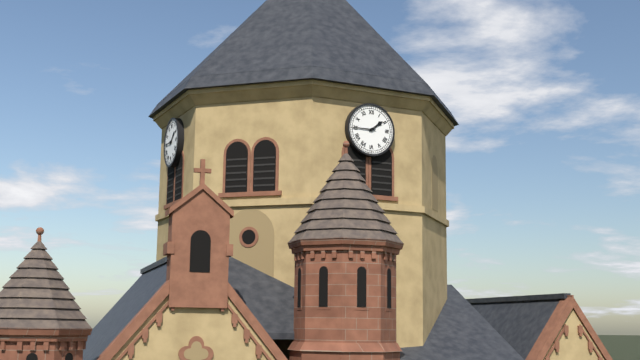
1 h 45 min
